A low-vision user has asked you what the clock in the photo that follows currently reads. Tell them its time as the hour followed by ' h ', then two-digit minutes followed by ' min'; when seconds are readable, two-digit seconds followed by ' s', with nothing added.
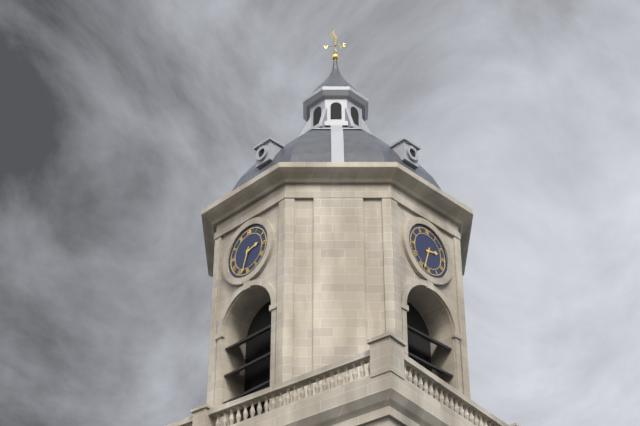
2 h 33 min
